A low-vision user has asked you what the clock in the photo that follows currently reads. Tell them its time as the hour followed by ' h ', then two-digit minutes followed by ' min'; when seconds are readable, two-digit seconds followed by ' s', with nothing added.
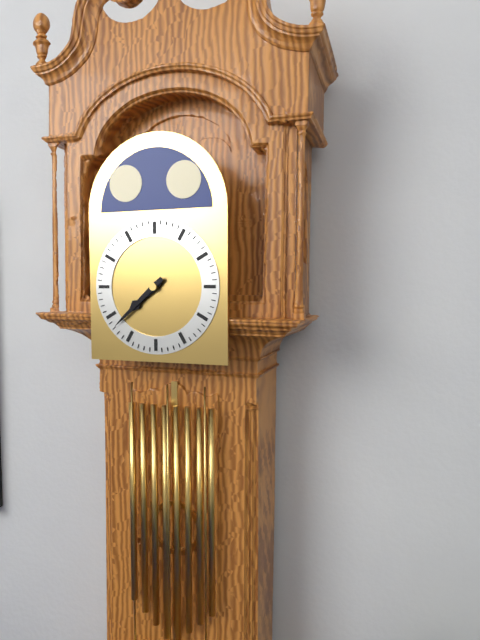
7 h 38 min
